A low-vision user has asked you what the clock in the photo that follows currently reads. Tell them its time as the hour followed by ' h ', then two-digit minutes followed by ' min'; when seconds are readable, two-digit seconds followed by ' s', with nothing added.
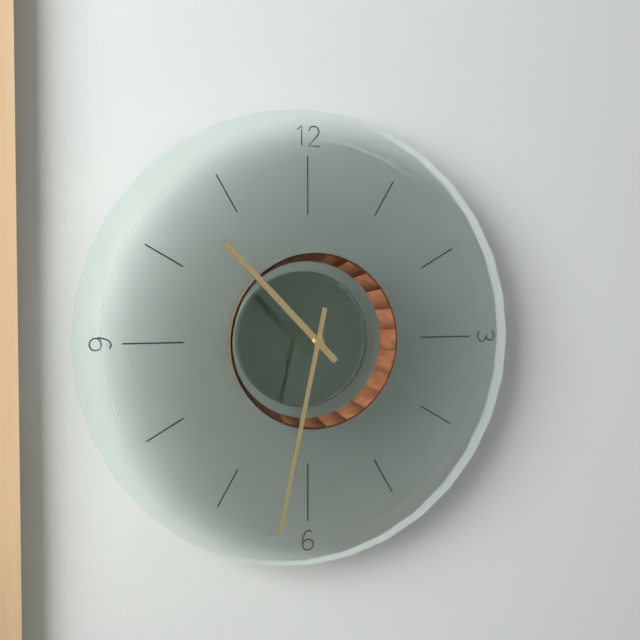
10 h 32 min
